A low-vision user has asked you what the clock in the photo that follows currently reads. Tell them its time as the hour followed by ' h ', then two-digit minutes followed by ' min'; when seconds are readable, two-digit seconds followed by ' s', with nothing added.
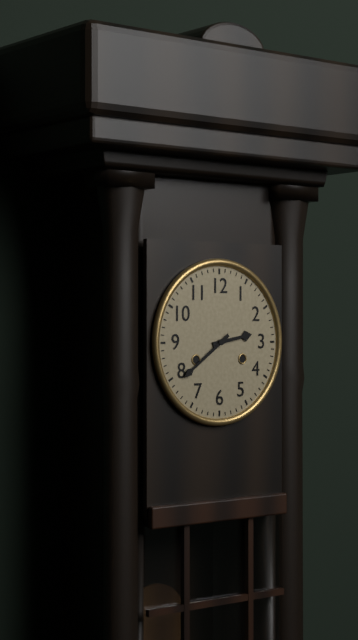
2 h 39 min
